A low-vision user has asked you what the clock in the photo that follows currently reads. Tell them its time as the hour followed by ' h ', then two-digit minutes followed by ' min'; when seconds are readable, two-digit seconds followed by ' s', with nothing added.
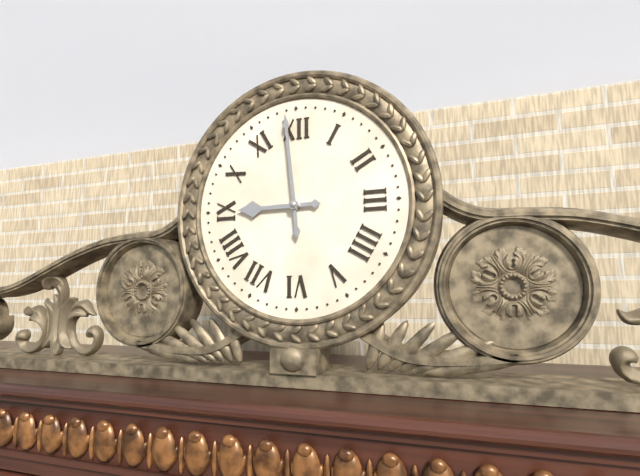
8 h 59 min
